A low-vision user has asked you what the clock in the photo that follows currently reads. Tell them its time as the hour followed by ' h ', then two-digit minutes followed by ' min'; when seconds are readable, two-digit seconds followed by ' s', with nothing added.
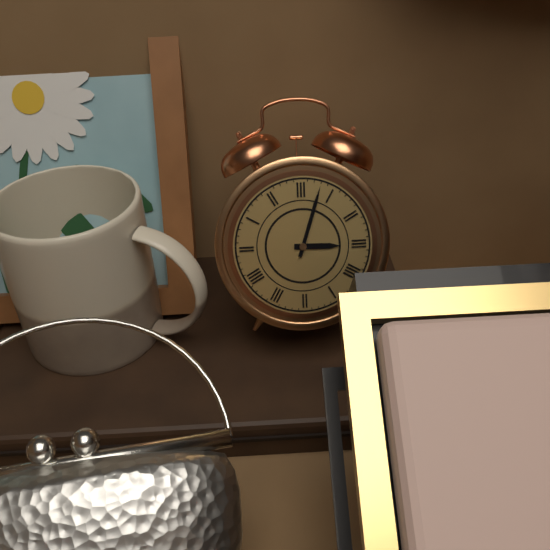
3 h 03 min
